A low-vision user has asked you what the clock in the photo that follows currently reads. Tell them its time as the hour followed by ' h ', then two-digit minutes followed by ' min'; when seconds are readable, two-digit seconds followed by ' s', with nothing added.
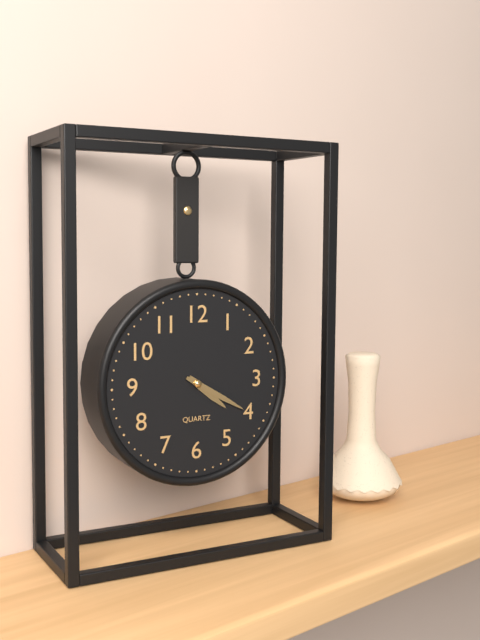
4 h 20 min
